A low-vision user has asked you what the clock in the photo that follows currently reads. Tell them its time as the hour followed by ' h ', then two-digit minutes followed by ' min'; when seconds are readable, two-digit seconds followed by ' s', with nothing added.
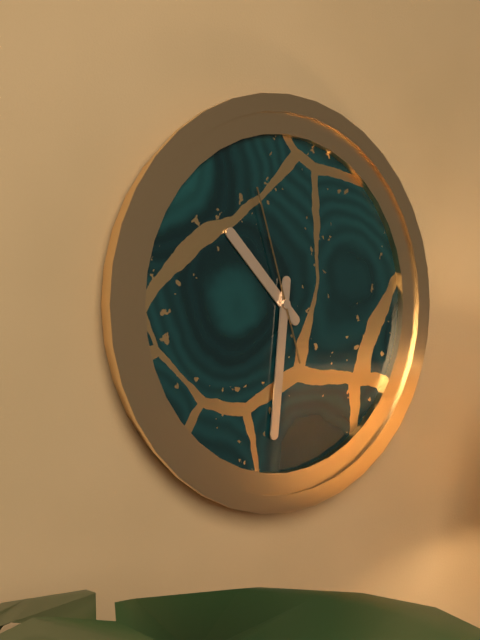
10 h 31 min 57 s
